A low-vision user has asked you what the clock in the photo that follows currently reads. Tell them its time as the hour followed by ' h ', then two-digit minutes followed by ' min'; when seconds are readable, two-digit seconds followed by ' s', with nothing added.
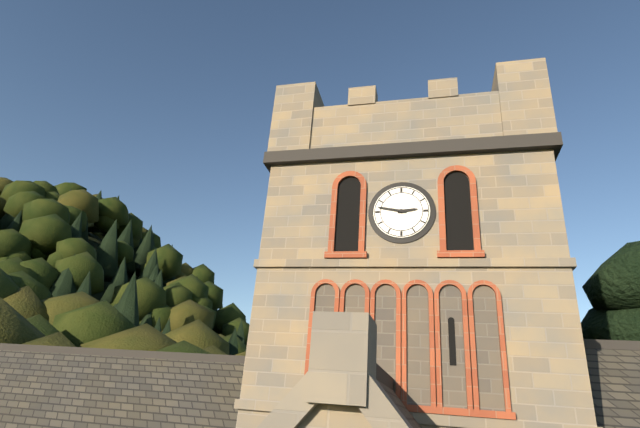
2 h 47 min
